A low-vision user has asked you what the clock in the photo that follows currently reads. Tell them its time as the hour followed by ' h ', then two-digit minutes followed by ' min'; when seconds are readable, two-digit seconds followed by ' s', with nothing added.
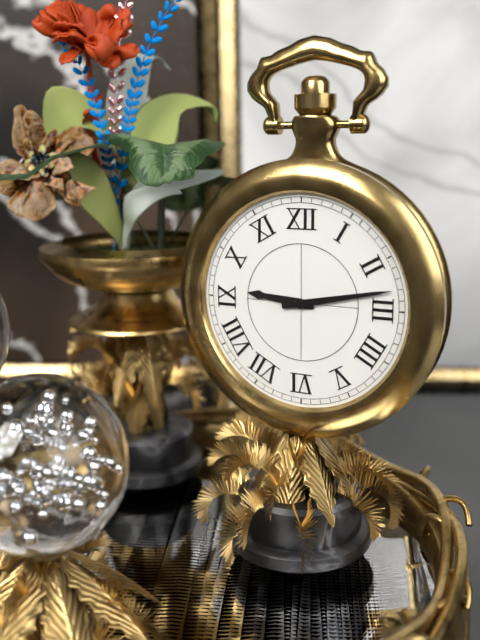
9 h 13 min
